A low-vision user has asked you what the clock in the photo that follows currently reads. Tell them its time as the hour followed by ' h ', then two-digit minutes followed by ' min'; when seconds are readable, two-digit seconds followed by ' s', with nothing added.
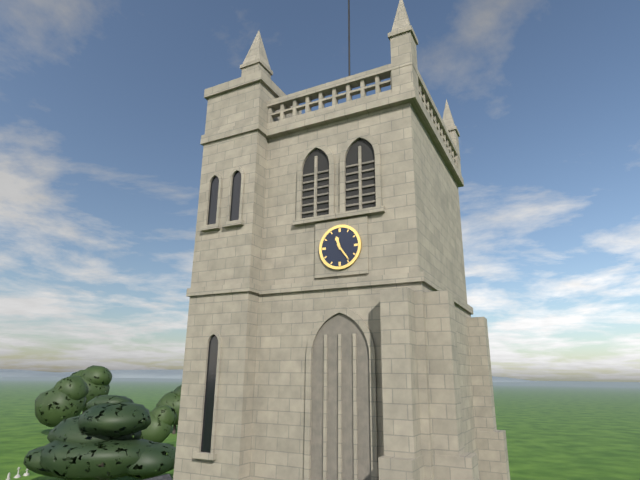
11 h 24 min
